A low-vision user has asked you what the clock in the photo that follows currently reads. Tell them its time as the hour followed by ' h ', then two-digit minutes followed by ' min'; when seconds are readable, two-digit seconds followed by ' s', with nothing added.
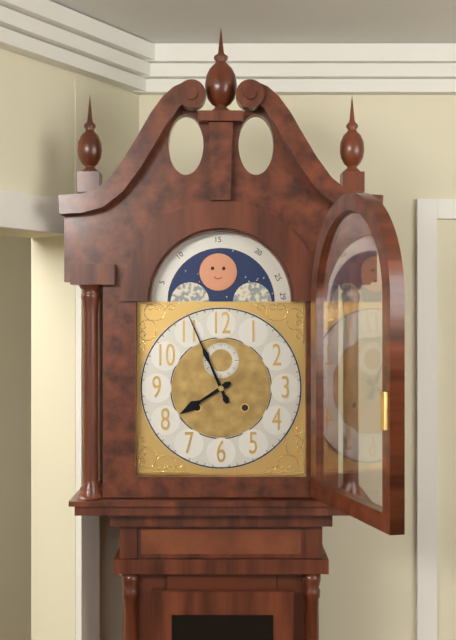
7 h 56 min
